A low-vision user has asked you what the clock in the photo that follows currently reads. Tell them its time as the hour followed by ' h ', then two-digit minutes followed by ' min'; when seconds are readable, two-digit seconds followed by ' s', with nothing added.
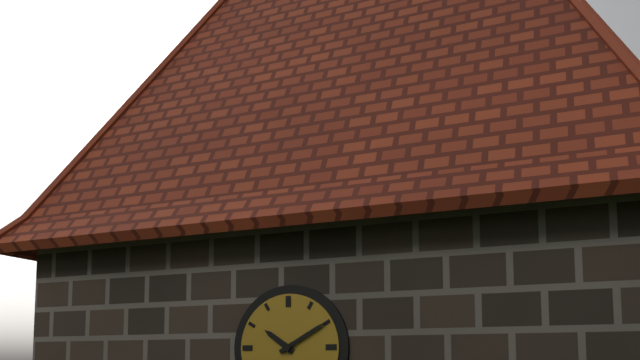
10 h 10 min
